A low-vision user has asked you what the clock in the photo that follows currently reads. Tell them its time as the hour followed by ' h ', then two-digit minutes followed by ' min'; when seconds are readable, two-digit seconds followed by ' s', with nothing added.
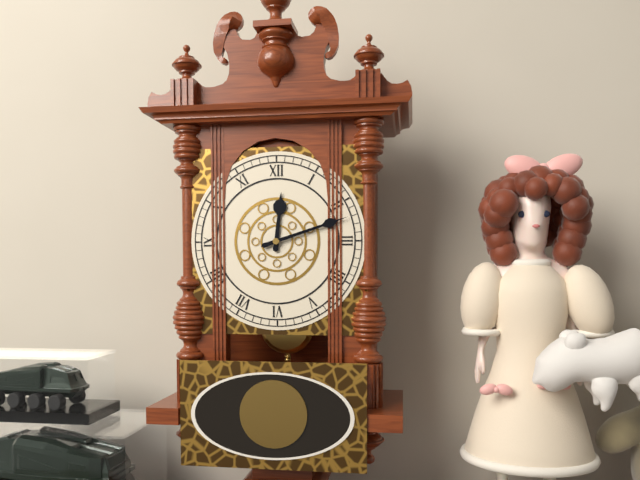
12 h 12 min
